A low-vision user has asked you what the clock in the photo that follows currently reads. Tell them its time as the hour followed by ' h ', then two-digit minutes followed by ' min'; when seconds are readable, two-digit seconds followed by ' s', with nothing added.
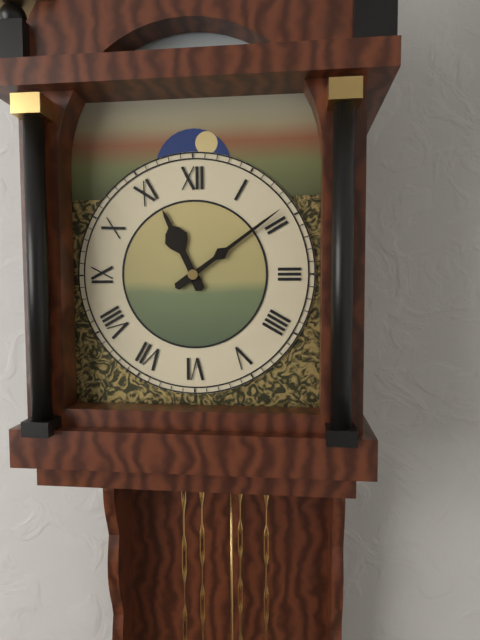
11 h 09 min
